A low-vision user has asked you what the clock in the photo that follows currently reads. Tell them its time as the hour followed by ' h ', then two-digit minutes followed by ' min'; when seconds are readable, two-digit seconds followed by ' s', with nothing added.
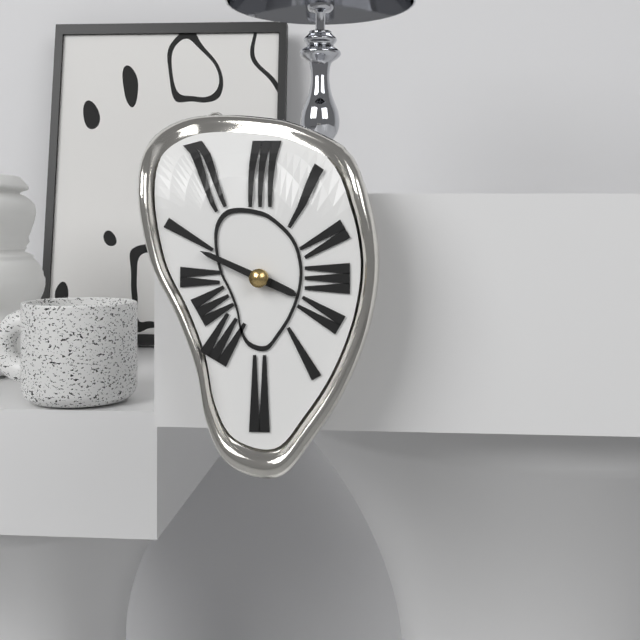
3 h 49 min
